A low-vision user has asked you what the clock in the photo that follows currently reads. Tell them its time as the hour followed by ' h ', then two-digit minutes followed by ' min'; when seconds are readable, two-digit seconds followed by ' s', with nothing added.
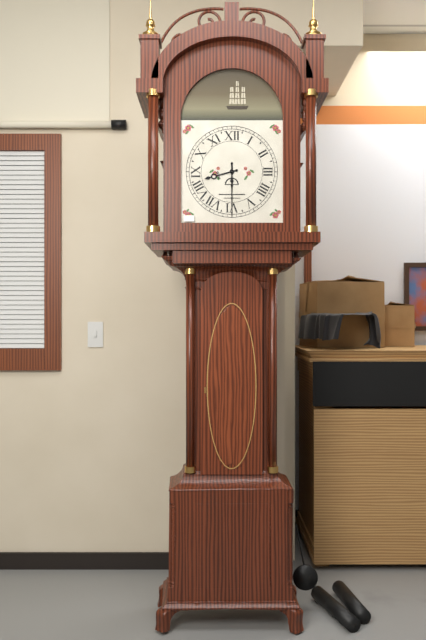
8 h 30 min
